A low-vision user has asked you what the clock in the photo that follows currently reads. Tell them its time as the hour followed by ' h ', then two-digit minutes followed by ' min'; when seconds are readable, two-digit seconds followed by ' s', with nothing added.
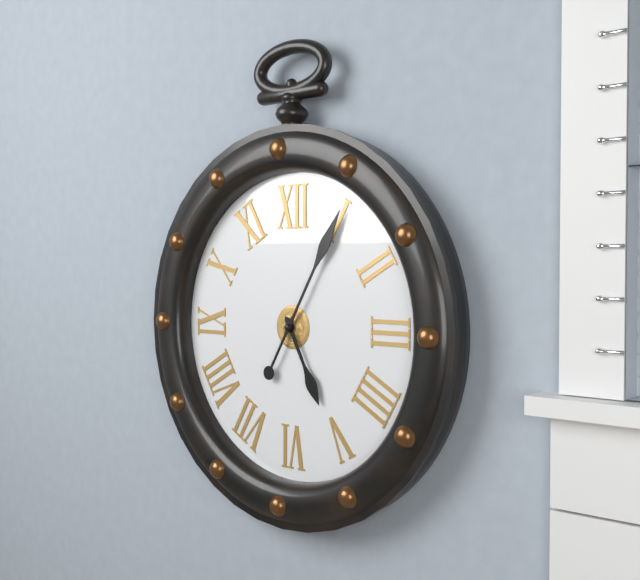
5 h 05 min
